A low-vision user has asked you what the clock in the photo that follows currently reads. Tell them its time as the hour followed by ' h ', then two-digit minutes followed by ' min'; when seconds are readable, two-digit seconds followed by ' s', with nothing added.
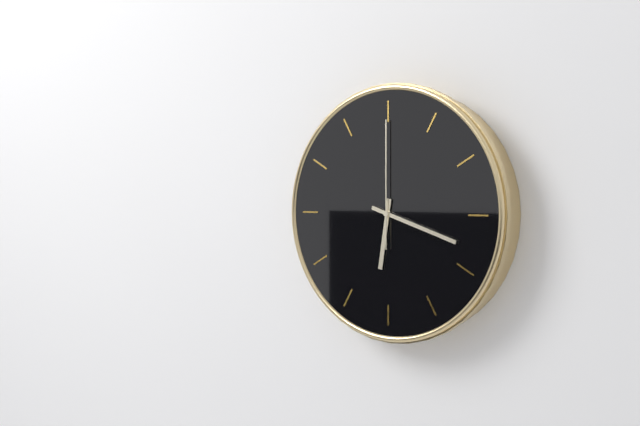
6 h 18 min 00 s
